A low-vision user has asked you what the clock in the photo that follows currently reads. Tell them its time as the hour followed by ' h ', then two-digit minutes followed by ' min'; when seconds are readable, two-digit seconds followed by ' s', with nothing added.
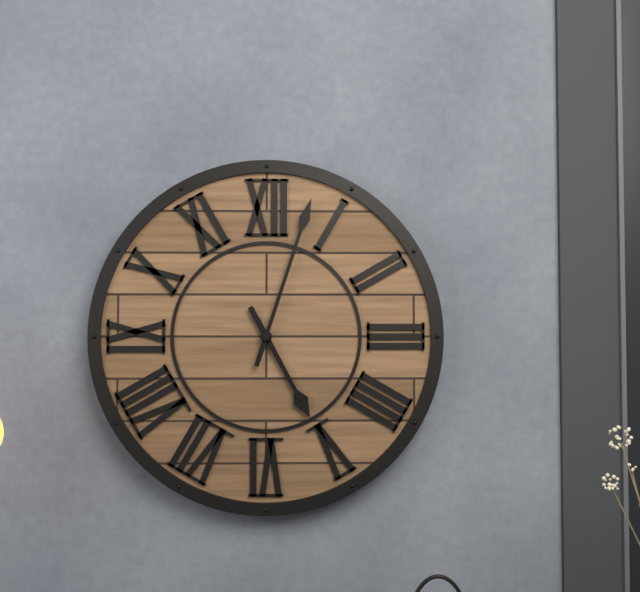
5 h 03 min
